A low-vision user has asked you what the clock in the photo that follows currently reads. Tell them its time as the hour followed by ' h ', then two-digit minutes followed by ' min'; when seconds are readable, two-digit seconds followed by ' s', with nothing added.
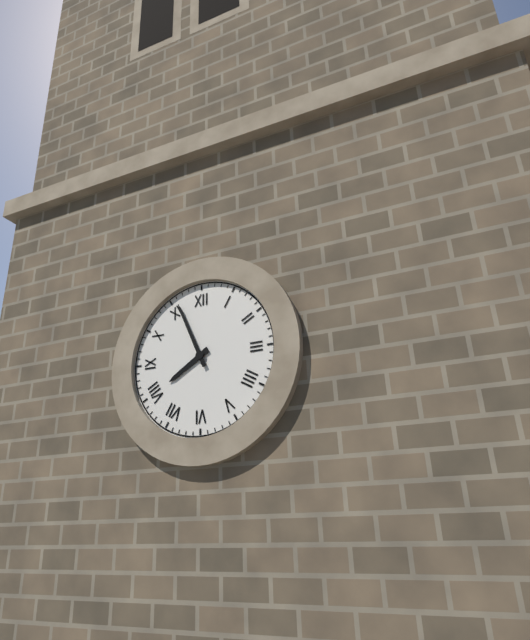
7 h 56 min
